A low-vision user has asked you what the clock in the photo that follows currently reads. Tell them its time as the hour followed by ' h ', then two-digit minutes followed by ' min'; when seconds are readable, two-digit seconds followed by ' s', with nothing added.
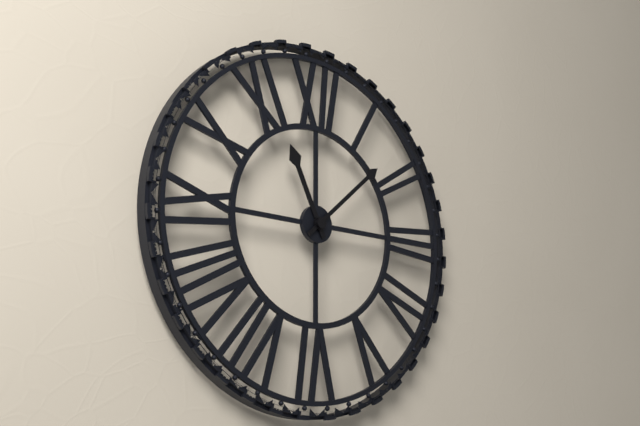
11 h 08 min
